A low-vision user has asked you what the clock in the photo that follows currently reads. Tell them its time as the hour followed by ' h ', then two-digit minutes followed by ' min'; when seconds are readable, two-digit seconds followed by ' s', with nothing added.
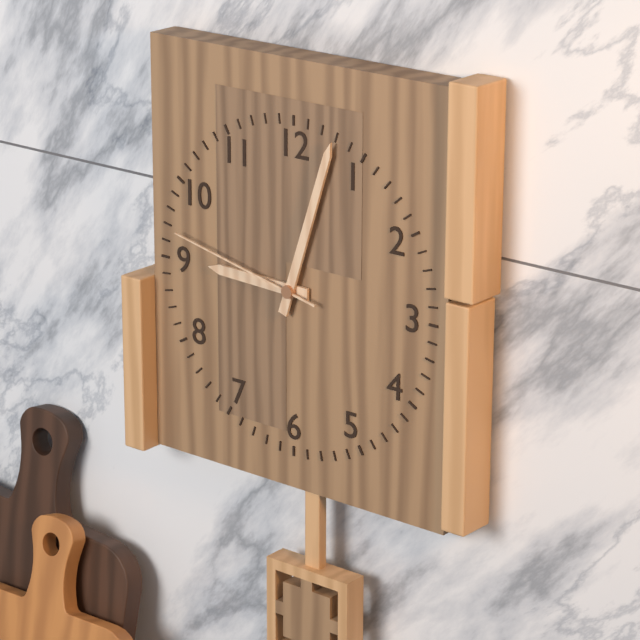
9 h 03 min 47 s
